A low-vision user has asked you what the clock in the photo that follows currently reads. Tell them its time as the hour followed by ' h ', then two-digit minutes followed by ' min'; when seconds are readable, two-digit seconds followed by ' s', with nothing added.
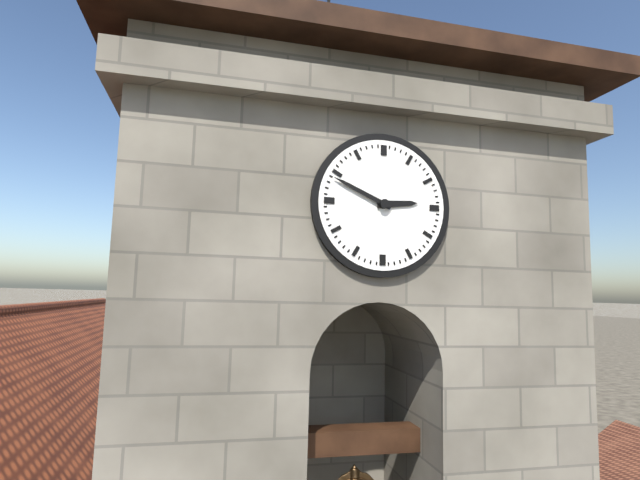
2 h 49 min
